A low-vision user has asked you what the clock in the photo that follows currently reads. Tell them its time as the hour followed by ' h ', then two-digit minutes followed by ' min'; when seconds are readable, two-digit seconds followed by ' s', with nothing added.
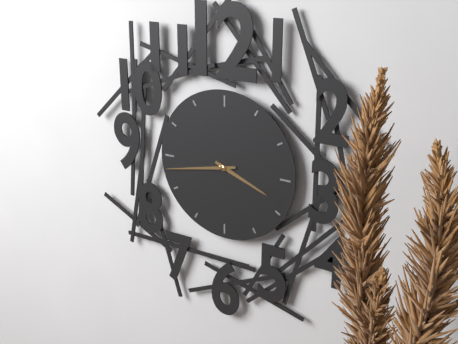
3 h 43 min
